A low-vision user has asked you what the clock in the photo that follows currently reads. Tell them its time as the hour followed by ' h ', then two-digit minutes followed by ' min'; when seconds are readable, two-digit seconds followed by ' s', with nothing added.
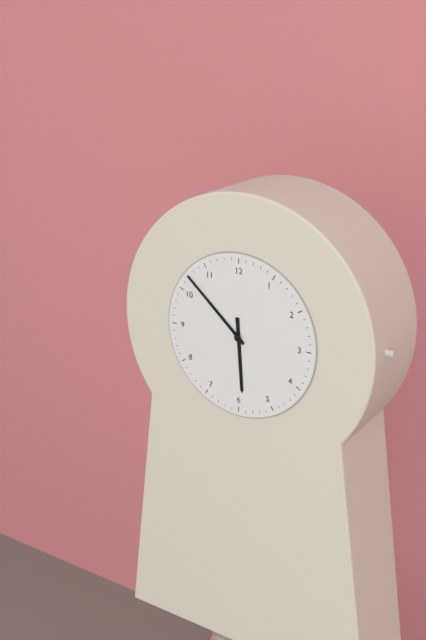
5 h 52 min
